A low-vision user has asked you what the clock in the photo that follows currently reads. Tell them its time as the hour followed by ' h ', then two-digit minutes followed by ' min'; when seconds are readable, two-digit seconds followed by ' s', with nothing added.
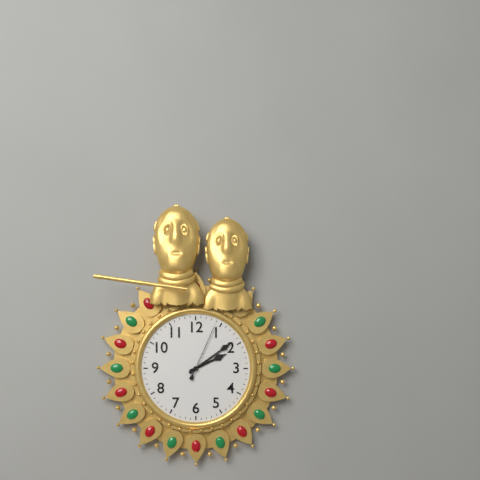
2 h 09 min 04 s
